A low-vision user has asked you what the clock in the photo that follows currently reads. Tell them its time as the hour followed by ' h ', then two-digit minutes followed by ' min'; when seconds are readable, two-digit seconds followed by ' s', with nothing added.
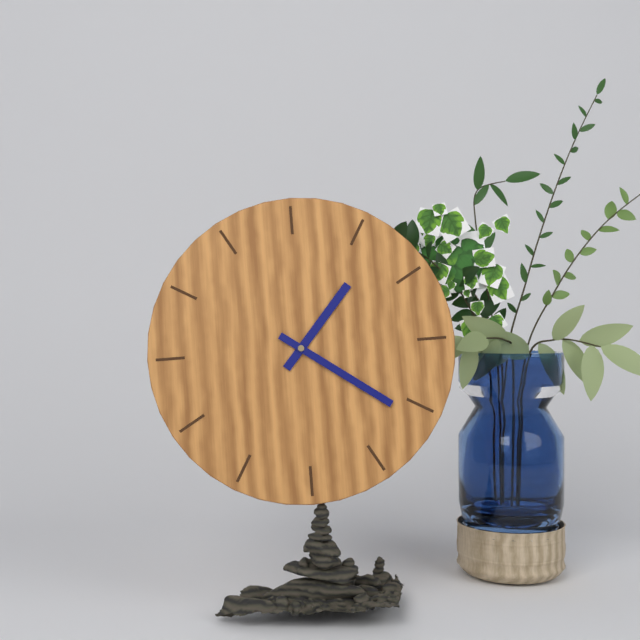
1 h 21 min
